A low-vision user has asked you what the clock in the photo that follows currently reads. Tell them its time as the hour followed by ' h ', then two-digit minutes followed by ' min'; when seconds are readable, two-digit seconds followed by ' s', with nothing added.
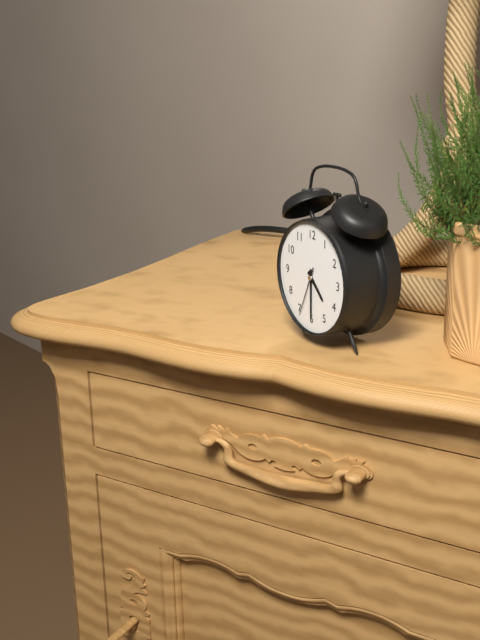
4 h 30 min
